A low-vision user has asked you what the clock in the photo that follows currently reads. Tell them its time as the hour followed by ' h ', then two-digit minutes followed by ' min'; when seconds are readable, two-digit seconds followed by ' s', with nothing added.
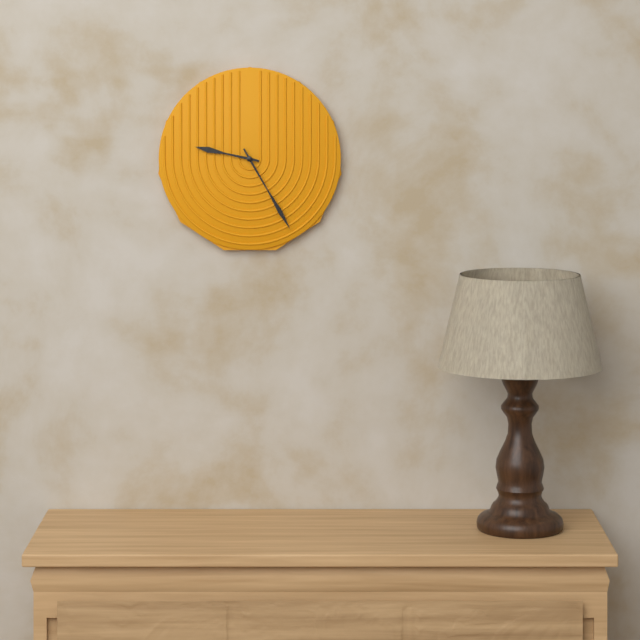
9 h 25 min
